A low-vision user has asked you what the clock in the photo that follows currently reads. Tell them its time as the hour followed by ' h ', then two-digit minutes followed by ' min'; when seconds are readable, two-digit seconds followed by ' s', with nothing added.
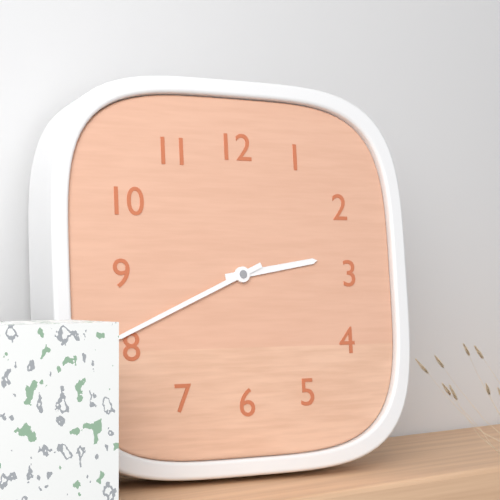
2 h 41 min
